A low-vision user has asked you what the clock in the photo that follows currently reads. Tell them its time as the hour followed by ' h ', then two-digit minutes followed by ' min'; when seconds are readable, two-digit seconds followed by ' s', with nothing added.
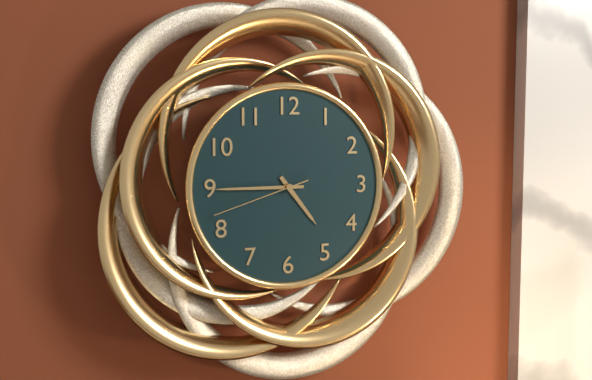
4 h 45 min 42 s
